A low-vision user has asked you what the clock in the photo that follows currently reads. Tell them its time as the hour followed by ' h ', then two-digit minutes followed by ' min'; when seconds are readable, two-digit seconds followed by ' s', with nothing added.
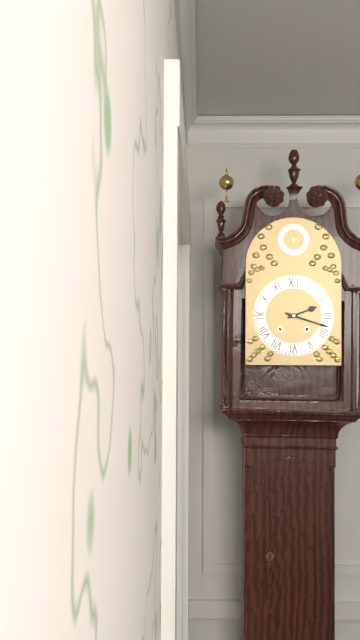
2 h 18 min
